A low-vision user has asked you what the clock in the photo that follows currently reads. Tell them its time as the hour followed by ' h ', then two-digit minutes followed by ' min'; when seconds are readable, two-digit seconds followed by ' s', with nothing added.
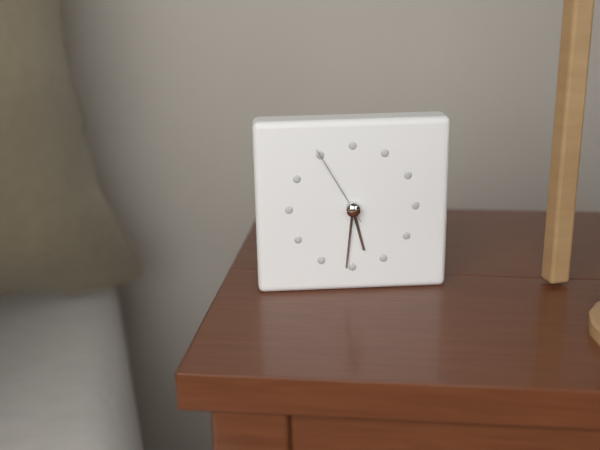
5 h 31 min 55 s
